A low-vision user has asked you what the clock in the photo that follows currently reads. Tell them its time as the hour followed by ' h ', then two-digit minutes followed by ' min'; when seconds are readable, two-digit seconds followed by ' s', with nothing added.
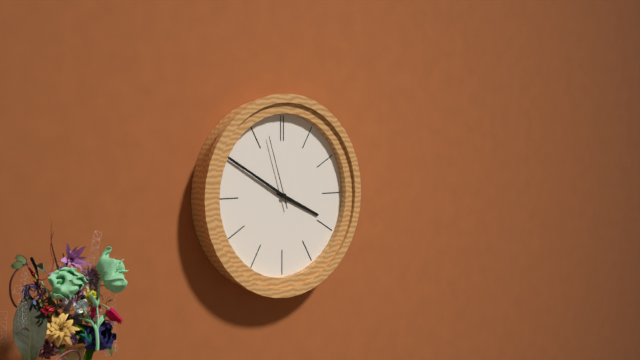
3 h 50 min 57 s
